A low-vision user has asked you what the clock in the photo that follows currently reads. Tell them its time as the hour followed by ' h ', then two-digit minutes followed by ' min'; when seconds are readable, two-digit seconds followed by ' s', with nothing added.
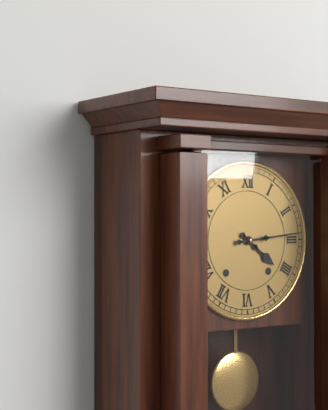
4 h 14 min
